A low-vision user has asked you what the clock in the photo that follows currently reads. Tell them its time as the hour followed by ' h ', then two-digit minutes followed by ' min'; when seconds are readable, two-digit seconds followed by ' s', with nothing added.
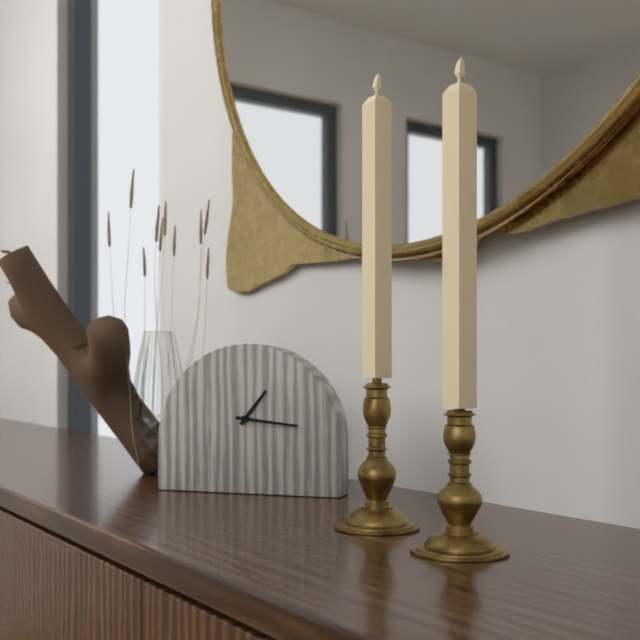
1 h 16 min
